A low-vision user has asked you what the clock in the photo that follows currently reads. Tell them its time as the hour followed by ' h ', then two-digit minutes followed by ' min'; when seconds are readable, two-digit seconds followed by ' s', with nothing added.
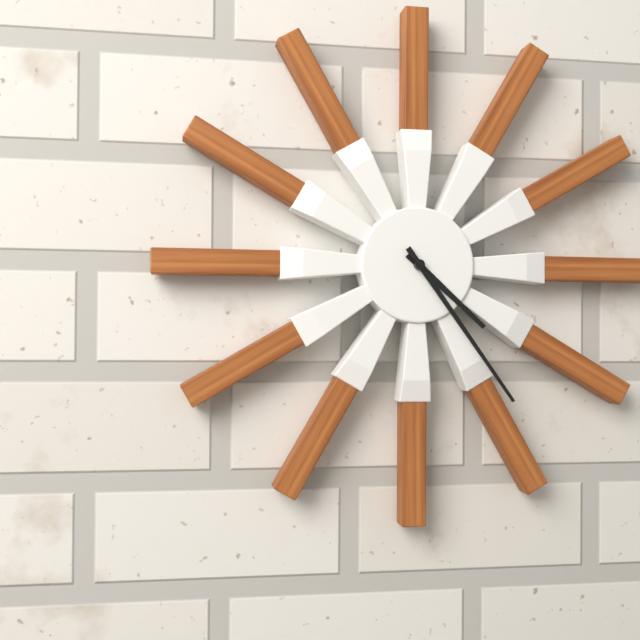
4 h 24 min
